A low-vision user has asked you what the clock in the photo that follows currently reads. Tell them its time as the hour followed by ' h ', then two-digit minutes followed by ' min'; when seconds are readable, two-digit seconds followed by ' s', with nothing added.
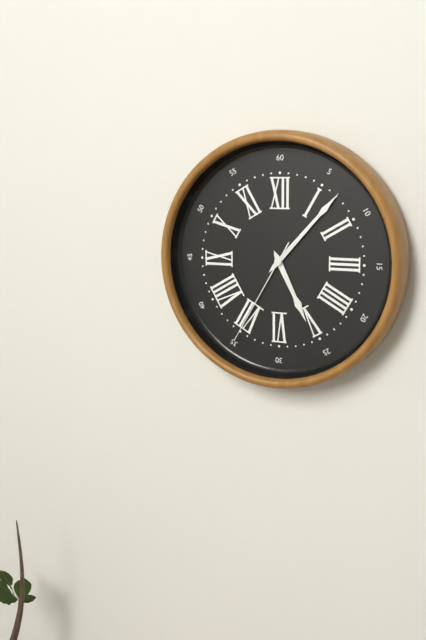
5 h 07 min 35 s
